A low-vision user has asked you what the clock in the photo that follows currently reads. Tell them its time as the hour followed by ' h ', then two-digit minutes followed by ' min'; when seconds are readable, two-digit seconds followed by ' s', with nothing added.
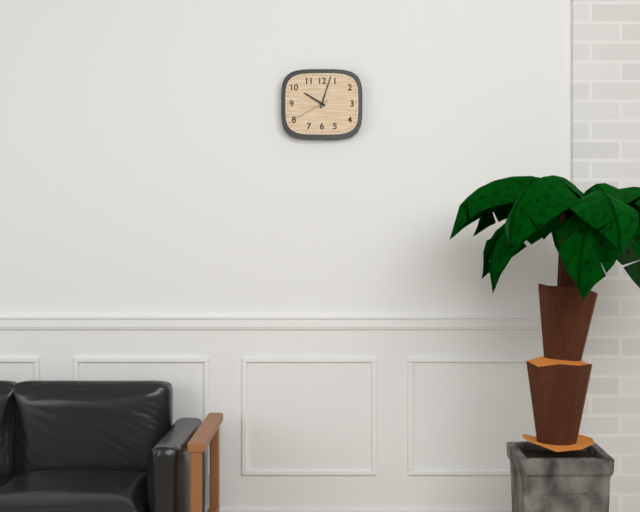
10 h 03 min
